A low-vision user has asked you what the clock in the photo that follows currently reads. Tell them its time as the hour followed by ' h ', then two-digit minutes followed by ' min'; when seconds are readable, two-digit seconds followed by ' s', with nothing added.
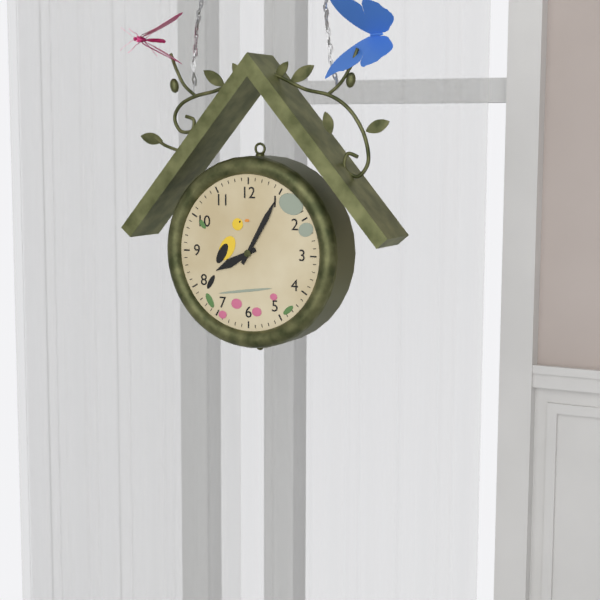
8 h 05 min
